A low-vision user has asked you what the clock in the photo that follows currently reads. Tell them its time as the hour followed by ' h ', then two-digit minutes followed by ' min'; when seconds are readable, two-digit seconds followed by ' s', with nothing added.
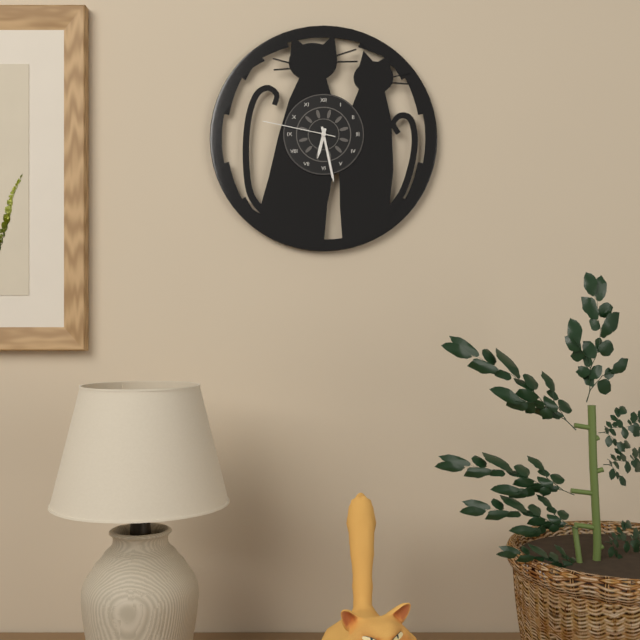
6 h 28 min 47 s
